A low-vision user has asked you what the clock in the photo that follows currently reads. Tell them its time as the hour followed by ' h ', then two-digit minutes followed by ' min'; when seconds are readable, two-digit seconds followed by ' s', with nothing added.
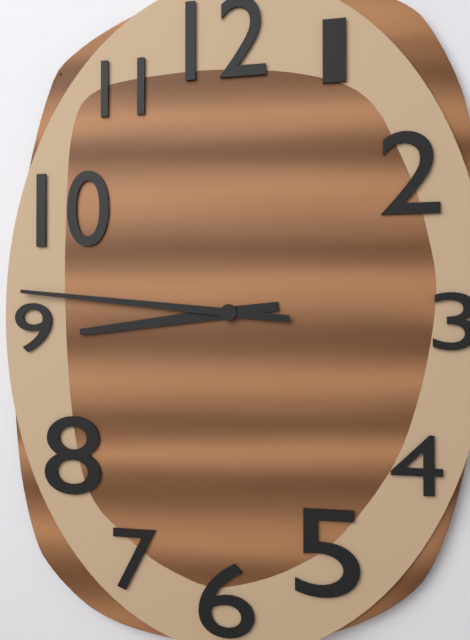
8 h 46 min
